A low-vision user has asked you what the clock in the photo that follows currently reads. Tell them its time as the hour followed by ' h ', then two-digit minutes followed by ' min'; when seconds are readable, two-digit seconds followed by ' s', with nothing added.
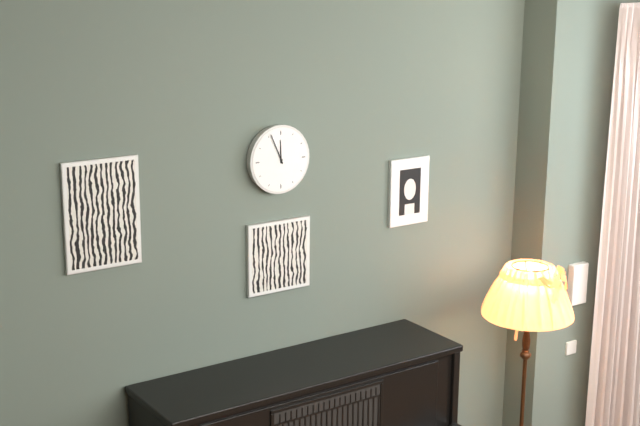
11 h 56 min
